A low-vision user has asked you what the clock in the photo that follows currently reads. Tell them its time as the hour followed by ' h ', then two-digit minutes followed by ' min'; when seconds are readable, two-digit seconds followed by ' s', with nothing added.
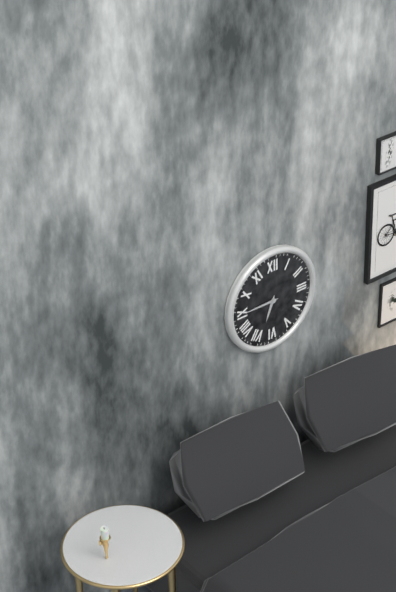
6 h 45 min
